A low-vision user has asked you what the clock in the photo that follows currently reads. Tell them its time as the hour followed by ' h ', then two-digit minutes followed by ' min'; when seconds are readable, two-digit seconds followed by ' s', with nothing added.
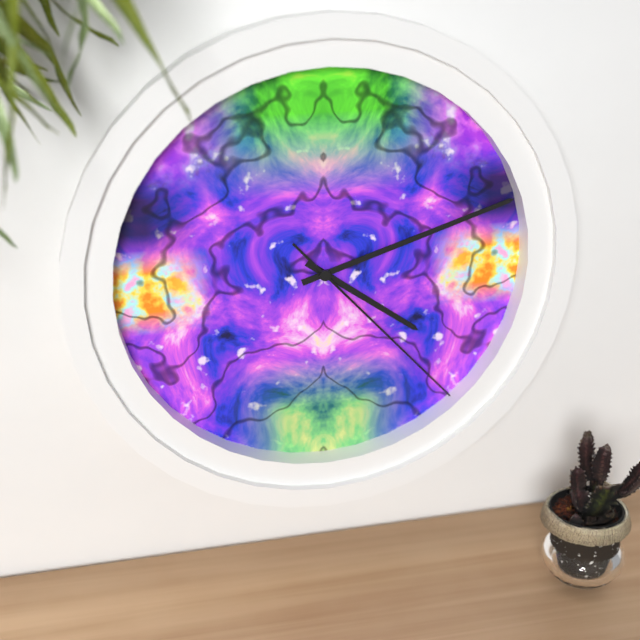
4 h 12 min 23 s
